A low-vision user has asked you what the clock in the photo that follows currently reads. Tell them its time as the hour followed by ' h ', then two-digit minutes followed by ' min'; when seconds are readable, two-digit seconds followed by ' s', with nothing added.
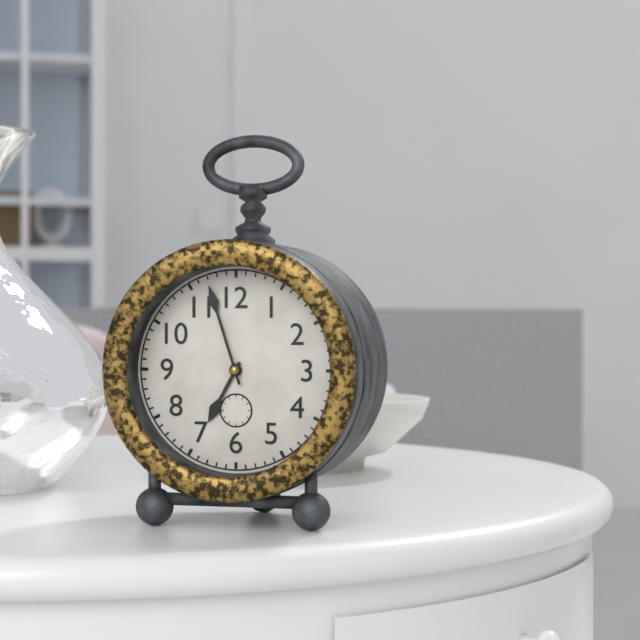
6 h 57 min
